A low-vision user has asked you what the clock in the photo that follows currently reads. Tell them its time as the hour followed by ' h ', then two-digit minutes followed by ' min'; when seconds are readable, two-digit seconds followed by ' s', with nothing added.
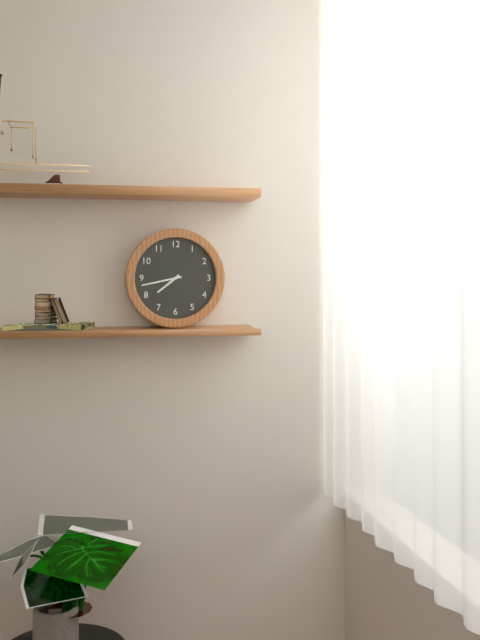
7 h 43 min
